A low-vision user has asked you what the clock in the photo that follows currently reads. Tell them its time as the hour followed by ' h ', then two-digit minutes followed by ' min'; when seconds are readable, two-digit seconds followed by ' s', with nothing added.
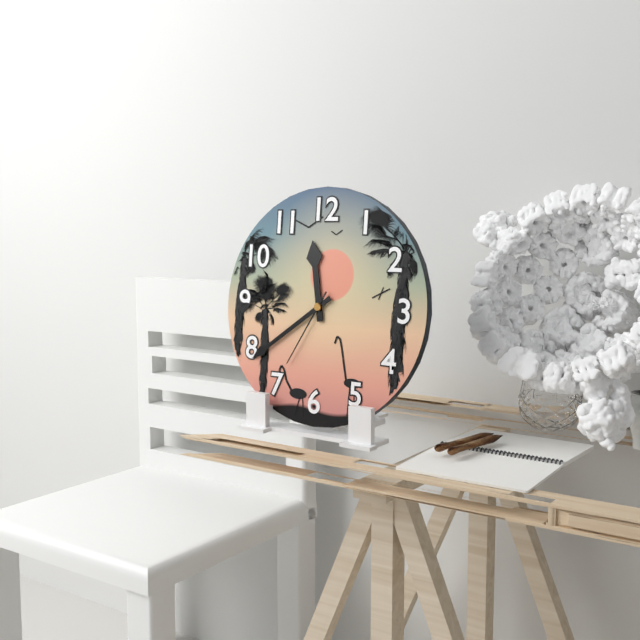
11 h 39 min 35 s
